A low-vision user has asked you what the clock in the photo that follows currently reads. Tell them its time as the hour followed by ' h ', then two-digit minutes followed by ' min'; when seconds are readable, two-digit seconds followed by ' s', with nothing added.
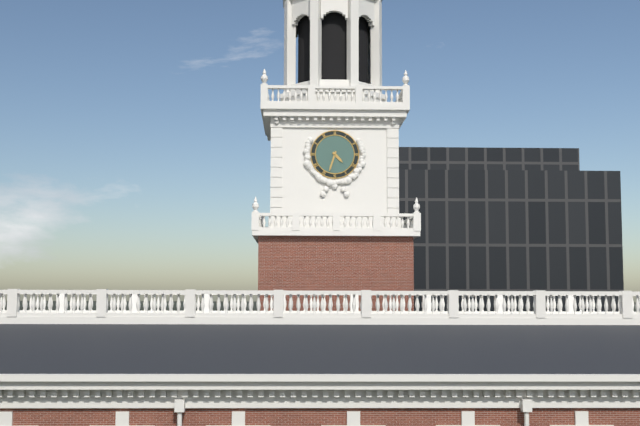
4 h 33 min
